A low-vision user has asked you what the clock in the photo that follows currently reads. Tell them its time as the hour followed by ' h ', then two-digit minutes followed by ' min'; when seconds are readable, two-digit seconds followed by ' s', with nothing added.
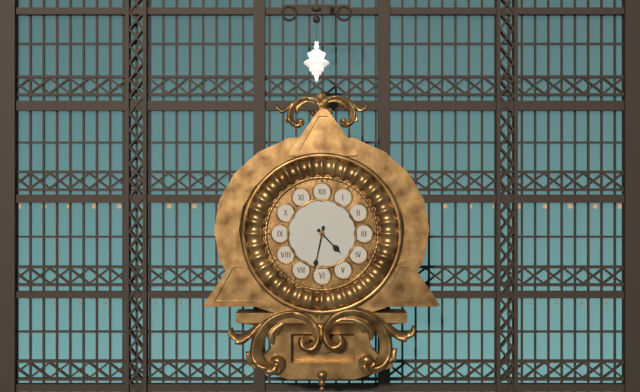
4 h 32 min
